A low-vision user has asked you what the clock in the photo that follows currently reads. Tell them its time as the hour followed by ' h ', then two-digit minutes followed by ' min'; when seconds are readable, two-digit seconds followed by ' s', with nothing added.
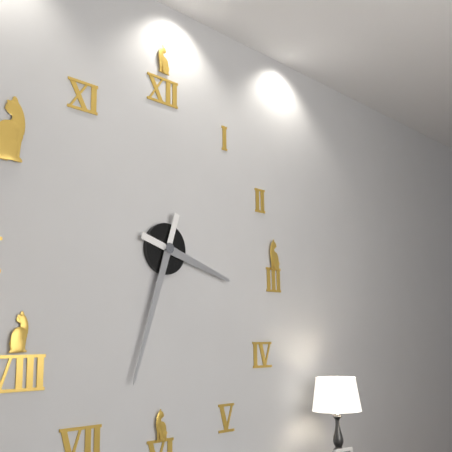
3 h 33 min
